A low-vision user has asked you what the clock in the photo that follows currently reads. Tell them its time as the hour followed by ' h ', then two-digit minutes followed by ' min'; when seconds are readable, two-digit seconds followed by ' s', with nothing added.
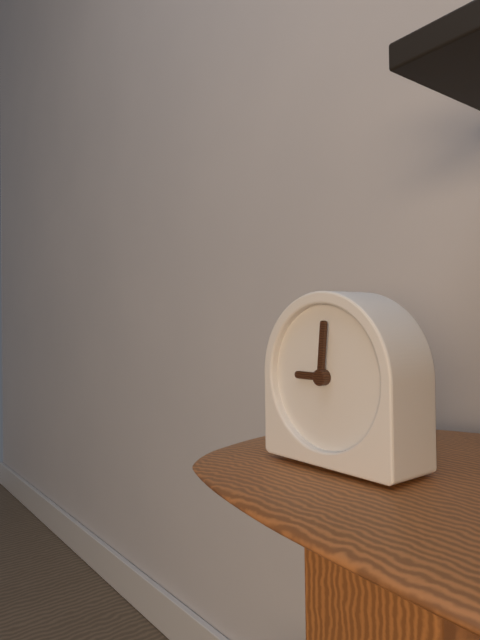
9 h 01 min
